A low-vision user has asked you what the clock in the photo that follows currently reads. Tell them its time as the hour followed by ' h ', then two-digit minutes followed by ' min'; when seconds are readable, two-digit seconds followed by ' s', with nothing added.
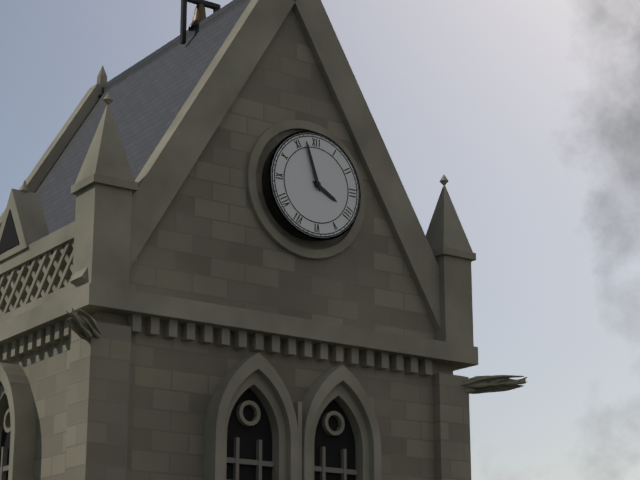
3 h 57 min
